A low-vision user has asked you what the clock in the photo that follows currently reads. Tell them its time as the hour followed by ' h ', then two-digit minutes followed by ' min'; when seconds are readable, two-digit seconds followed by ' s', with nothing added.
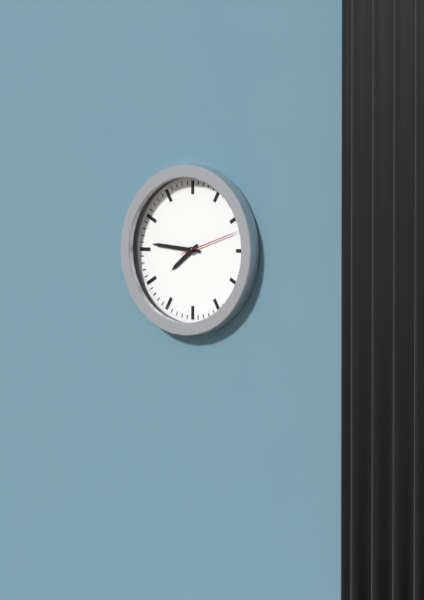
7 h 46 min 12 s
